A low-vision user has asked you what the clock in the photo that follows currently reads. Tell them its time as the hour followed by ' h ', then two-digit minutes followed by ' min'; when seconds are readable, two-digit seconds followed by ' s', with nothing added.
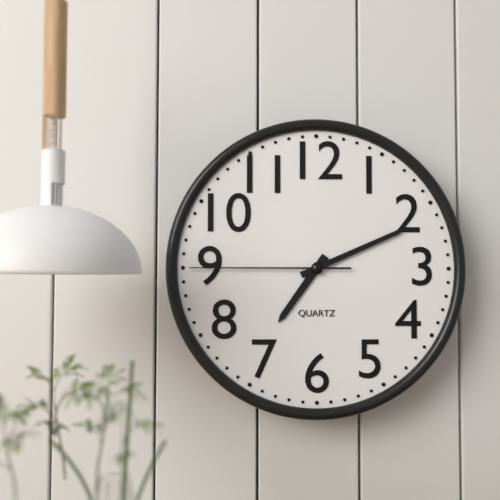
7 h 11 min 45 s
